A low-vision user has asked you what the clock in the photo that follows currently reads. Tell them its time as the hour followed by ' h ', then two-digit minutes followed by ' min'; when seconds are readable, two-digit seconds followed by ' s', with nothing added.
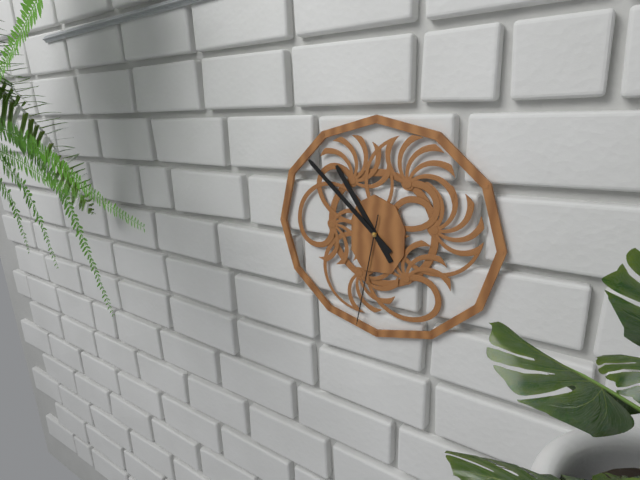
10 h 52 min 32 s
